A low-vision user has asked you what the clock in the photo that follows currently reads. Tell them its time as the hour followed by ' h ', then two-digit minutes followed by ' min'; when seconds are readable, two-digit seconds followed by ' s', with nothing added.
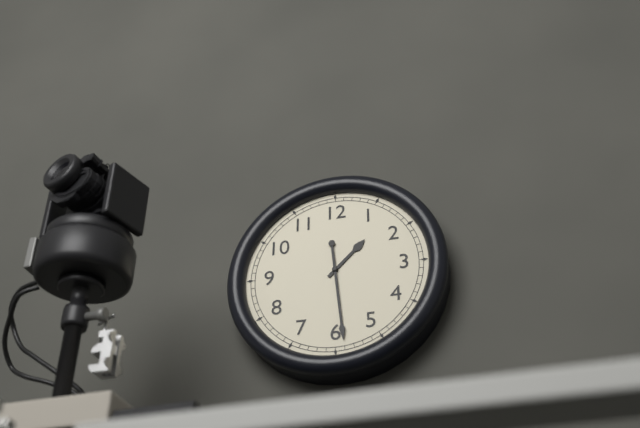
1 h 29 min
